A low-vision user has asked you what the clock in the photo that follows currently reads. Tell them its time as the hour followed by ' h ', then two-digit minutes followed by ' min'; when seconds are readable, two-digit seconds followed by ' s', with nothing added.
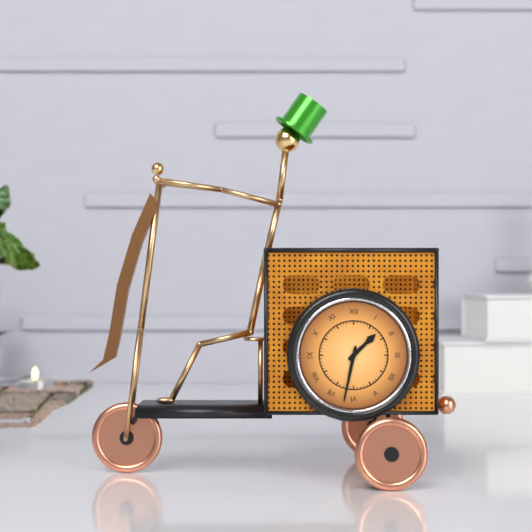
1 h 32 min
